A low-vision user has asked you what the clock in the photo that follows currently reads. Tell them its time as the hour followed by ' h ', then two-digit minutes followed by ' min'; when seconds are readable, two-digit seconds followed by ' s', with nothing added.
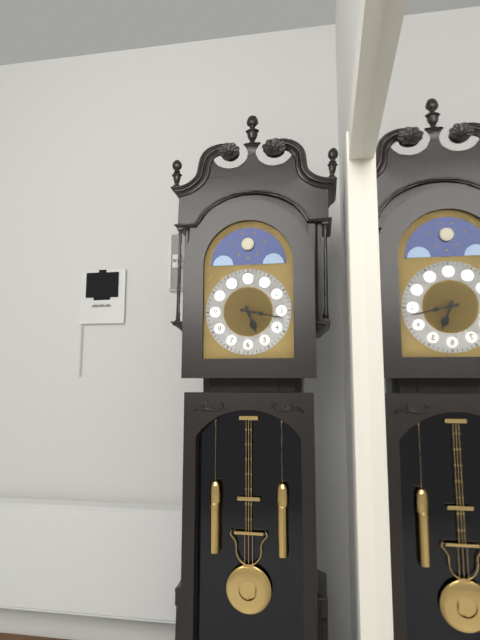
5 h 17 min
